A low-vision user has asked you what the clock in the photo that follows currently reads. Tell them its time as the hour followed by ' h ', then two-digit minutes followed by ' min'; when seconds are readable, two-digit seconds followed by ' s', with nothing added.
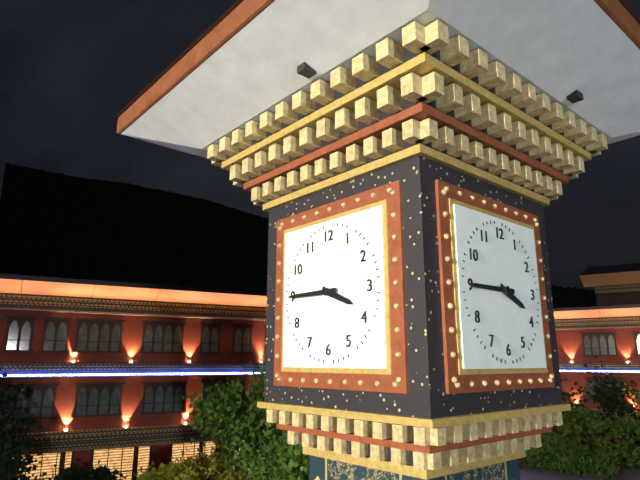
3 h 45 min
